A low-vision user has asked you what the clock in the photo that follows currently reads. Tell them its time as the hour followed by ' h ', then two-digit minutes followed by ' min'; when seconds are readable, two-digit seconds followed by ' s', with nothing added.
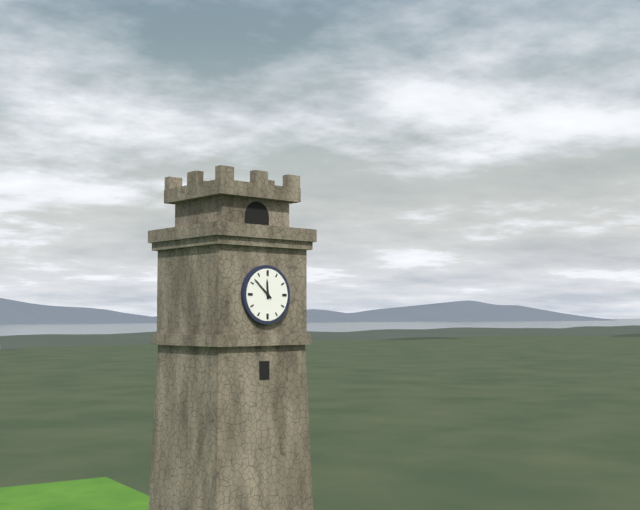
11 h 52 min
